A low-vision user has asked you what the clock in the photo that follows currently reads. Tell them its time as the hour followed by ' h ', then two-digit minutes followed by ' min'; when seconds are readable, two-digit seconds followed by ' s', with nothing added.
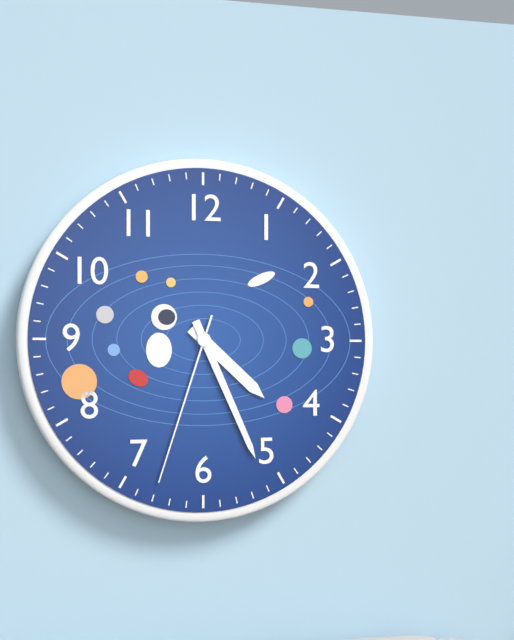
4 h 26 min 33 s
